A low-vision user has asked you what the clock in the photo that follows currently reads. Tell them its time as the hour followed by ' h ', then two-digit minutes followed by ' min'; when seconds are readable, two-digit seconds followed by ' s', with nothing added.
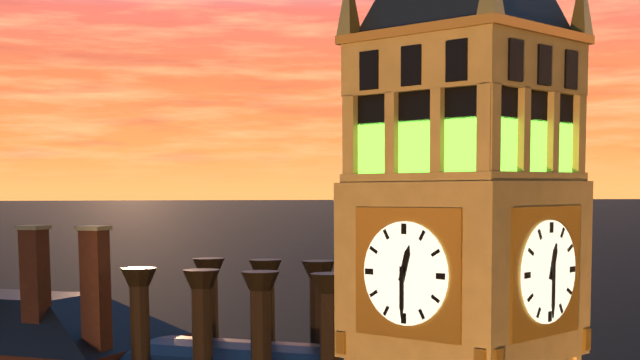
12 h 30 min
